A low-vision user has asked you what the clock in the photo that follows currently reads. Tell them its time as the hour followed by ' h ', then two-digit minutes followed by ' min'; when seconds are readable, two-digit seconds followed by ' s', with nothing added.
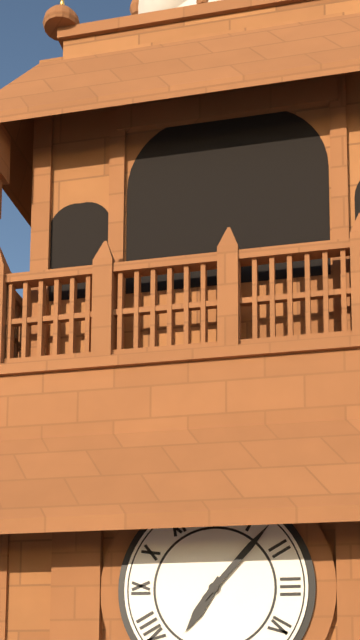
7 h 07 min
